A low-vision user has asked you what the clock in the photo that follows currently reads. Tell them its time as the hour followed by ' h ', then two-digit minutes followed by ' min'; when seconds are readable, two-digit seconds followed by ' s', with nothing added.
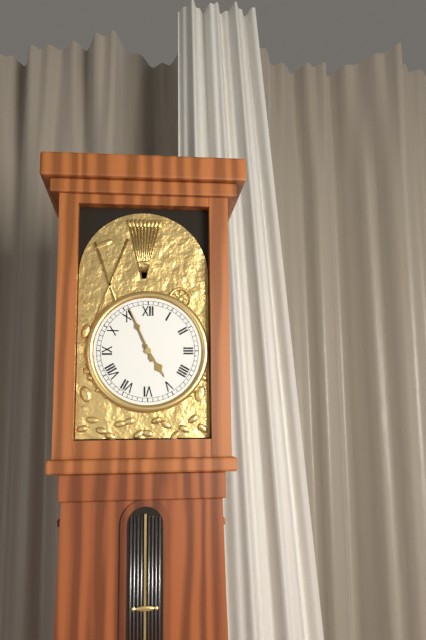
4 h 56 min
